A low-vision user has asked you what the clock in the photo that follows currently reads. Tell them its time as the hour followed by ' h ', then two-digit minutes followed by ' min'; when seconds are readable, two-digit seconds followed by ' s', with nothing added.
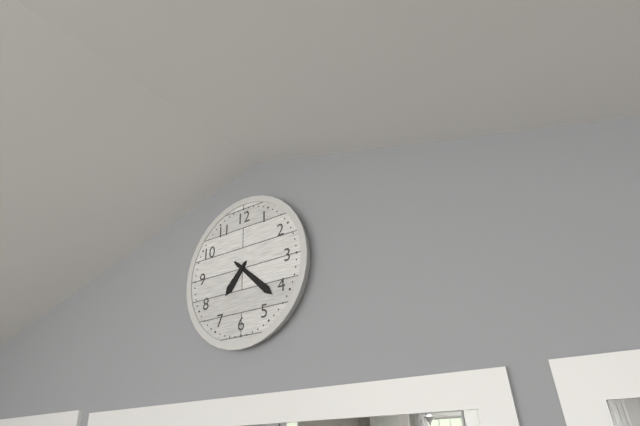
7 h 22 min
